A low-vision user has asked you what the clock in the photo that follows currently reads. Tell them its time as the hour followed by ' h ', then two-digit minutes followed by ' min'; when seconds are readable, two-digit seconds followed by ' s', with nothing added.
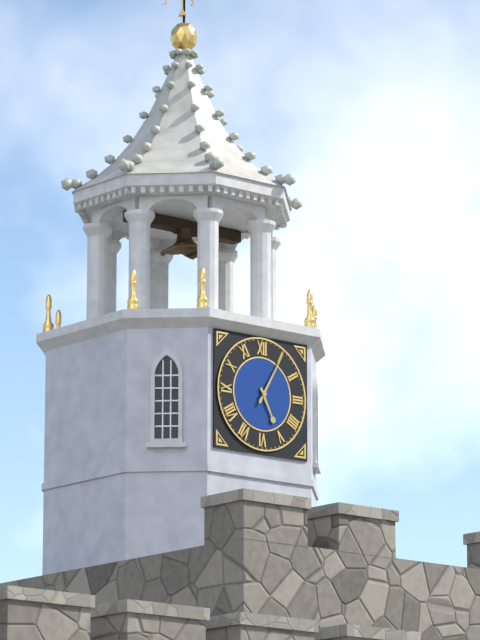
5 h 05 min
